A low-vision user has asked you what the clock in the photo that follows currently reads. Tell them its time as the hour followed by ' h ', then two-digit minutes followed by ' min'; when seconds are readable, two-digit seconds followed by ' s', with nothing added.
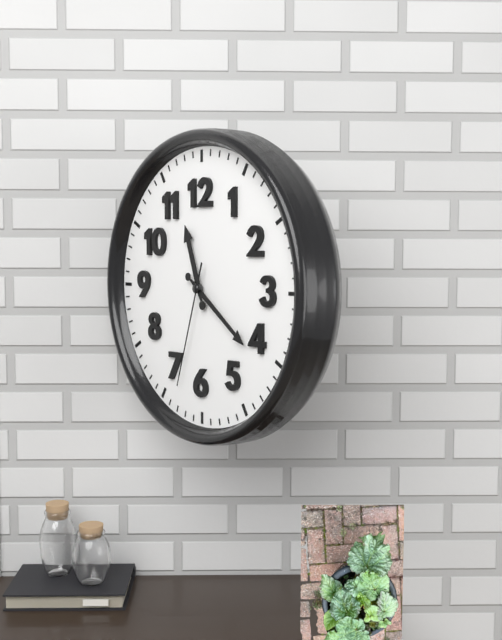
11 h 21 min 33 s
